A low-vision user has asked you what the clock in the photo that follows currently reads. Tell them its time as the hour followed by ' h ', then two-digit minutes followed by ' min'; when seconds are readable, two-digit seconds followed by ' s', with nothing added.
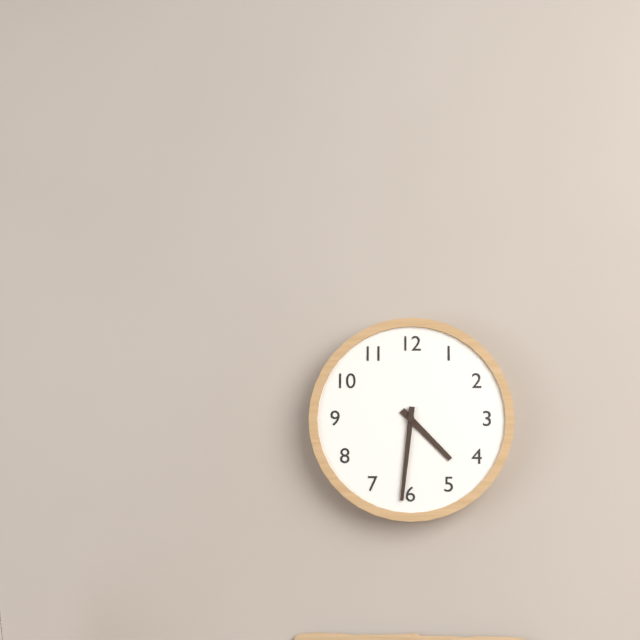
4 h 31 min
